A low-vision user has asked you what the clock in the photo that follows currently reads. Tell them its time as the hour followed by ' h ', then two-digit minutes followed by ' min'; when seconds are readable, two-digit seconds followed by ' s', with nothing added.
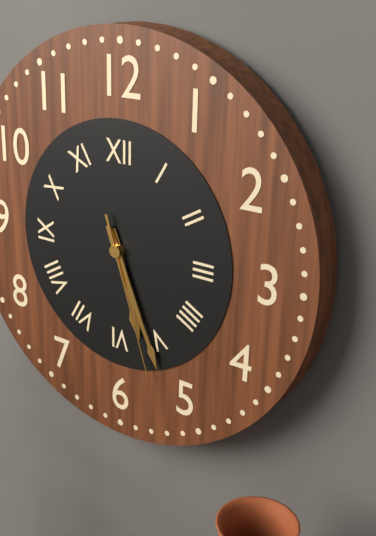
5 h 26 min 27 s
